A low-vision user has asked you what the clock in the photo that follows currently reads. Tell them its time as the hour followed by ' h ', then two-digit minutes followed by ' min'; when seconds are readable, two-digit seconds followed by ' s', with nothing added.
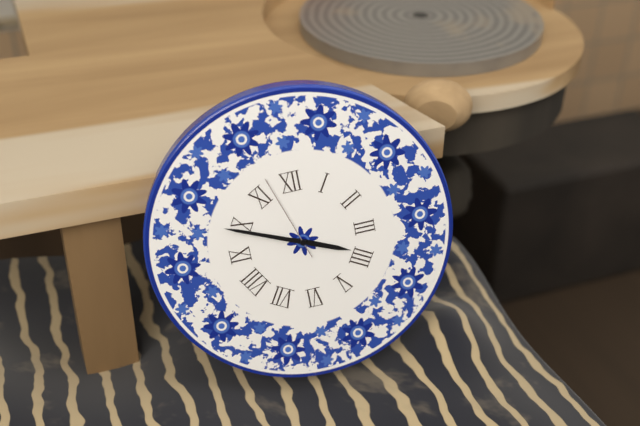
3 h 49 min 57 s
